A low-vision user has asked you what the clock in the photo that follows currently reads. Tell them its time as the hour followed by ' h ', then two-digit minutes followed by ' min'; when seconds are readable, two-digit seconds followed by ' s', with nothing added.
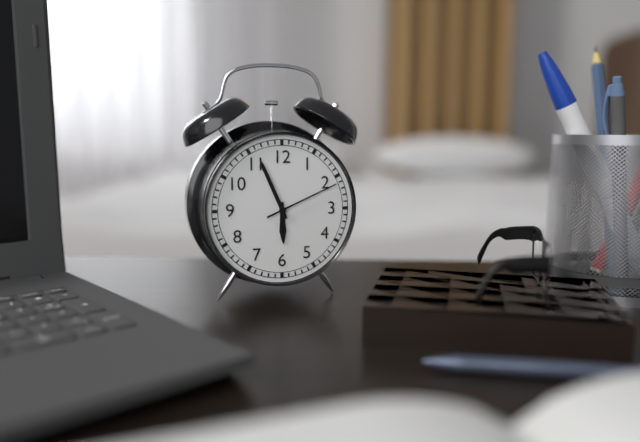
5 h 56 min 11 s
